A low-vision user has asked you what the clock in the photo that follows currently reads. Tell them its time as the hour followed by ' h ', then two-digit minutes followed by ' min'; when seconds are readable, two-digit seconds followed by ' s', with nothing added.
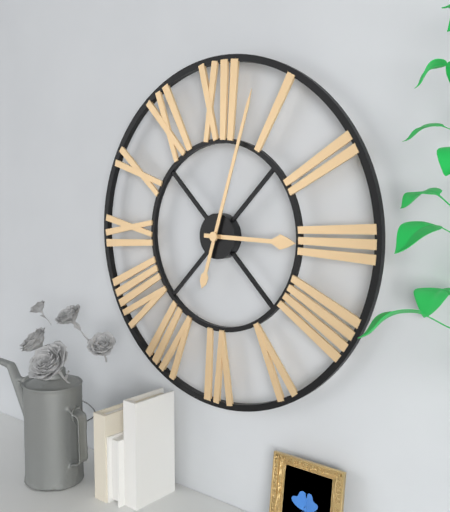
3 h 03 min
